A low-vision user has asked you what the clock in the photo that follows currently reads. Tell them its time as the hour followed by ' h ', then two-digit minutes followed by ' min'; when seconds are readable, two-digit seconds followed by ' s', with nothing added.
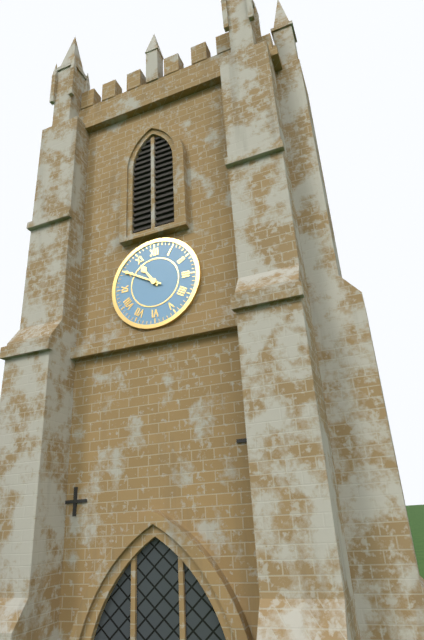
10 h 50 min
